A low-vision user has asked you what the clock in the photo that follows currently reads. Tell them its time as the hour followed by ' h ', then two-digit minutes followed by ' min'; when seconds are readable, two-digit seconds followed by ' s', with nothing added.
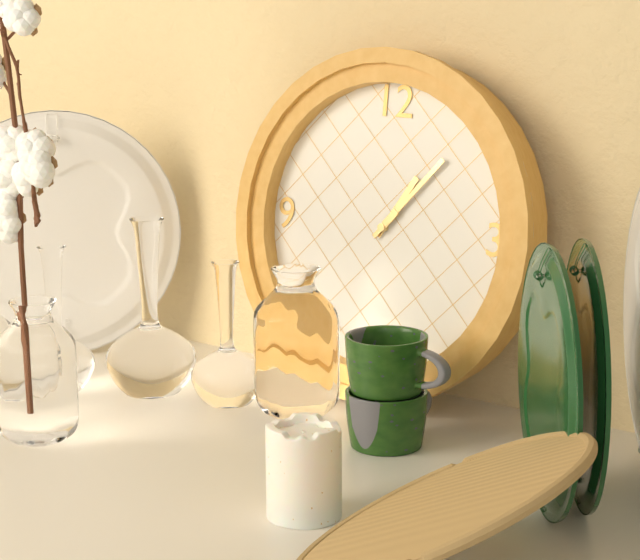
1 h 07 min
